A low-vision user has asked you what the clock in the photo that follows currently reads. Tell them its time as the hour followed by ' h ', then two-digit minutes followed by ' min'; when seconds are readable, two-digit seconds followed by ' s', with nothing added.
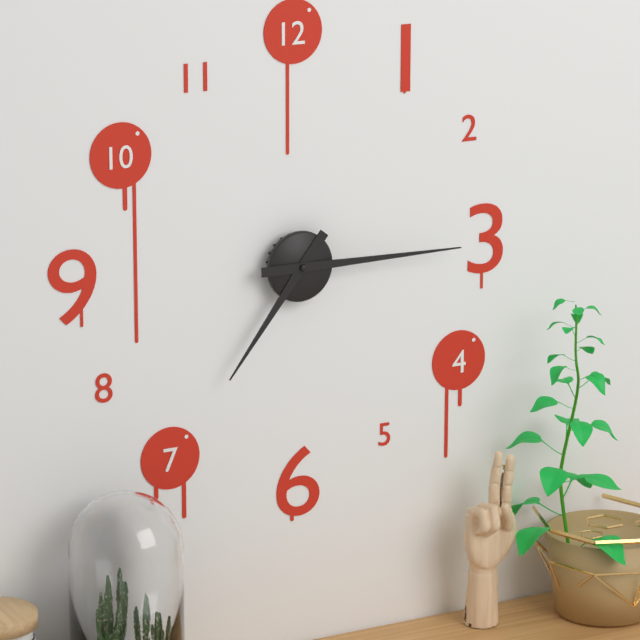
7 h 15 min
